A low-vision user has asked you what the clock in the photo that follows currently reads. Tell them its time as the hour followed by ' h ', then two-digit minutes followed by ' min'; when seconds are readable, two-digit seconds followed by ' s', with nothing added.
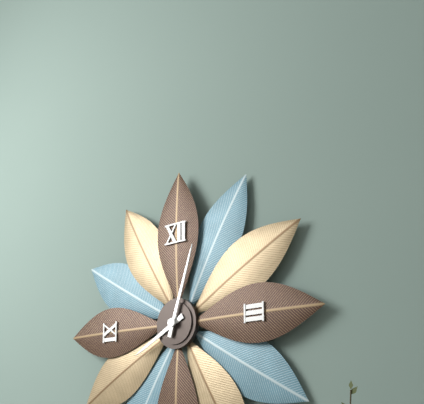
8 h 03 min
